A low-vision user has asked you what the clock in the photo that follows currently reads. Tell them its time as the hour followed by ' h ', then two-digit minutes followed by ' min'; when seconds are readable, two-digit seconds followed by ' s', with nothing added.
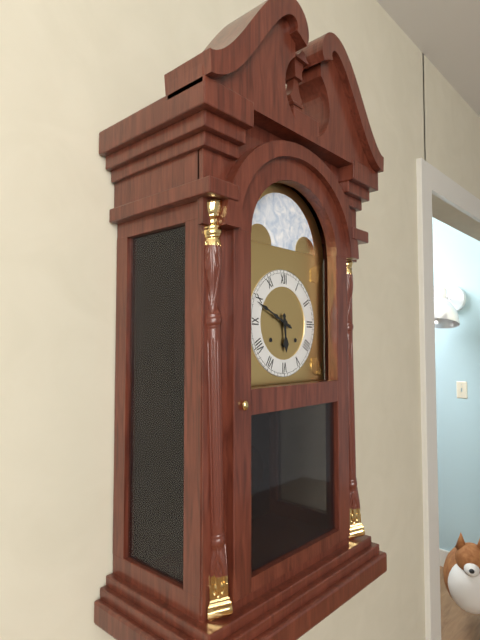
5 h 49 min
